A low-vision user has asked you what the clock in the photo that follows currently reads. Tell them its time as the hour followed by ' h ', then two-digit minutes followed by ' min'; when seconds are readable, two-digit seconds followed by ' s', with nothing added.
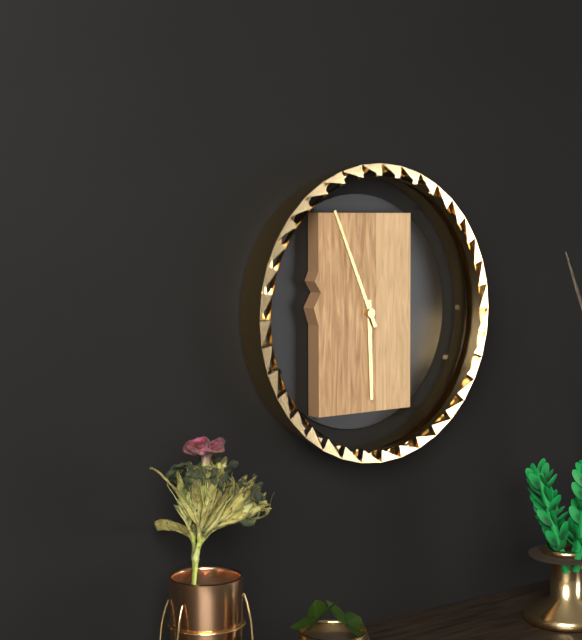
5 h 56 min
